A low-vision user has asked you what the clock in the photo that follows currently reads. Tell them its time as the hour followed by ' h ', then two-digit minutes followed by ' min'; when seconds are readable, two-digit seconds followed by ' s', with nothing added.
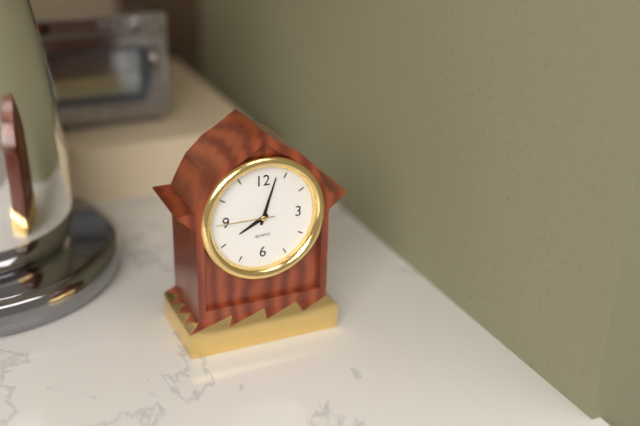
8 h 03 min 45 s
